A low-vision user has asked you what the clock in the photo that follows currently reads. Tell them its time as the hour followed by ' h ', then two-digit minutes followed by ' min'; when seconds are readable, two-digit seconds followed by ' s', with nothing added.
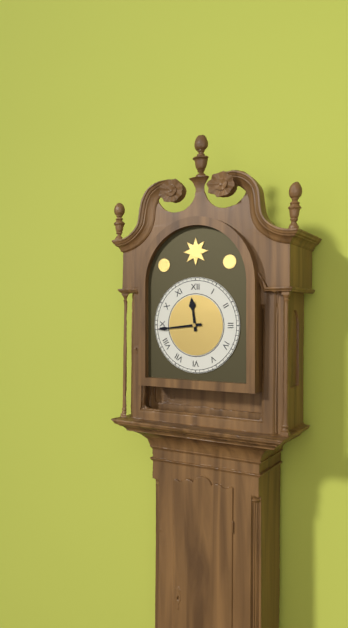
11 h 44 min
